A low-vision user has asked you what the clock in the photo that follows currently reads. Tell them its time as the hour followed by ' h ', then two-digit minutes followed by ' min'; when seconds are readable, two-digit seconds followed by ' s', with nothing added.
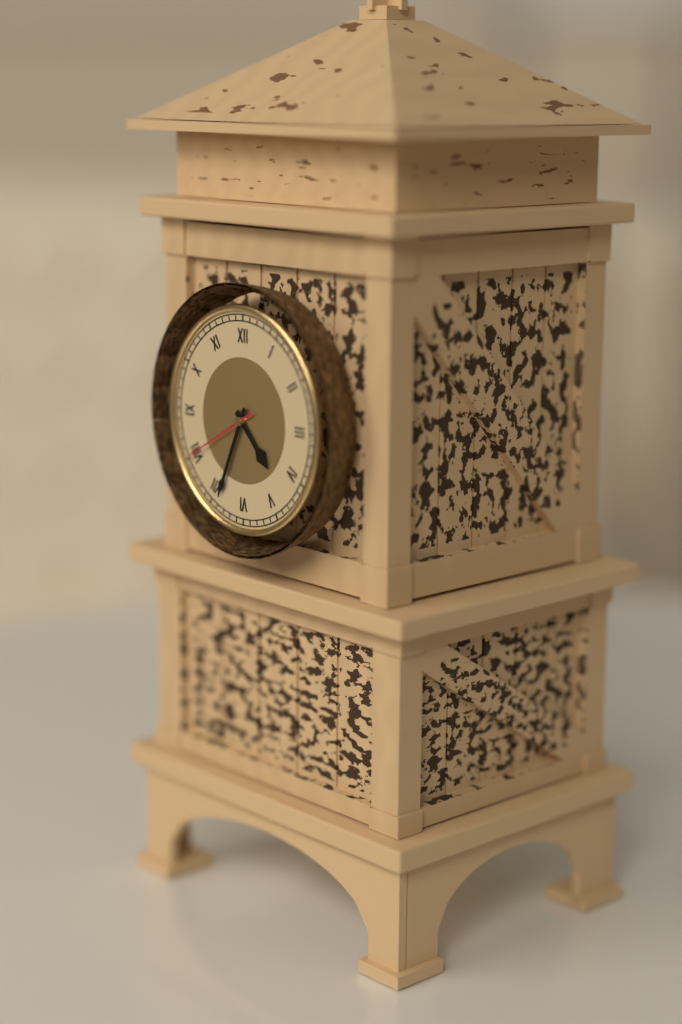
4 h 34 min 40 s
